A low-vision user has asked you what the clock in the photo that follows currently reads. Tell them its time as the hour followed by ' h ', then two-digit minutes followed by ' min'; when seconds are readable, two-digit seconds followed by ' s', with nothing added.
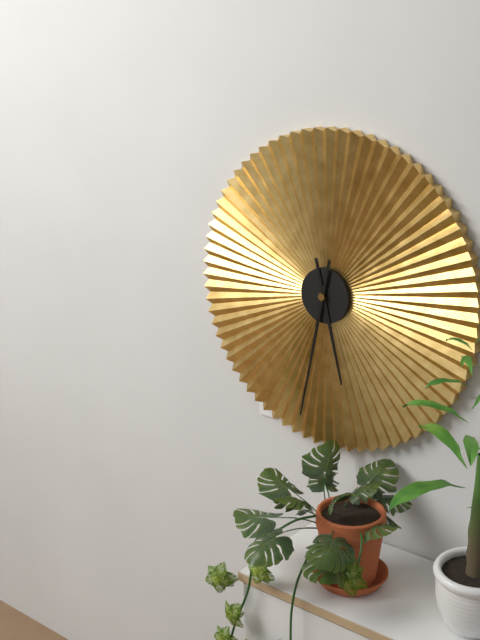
5 h 32 min
